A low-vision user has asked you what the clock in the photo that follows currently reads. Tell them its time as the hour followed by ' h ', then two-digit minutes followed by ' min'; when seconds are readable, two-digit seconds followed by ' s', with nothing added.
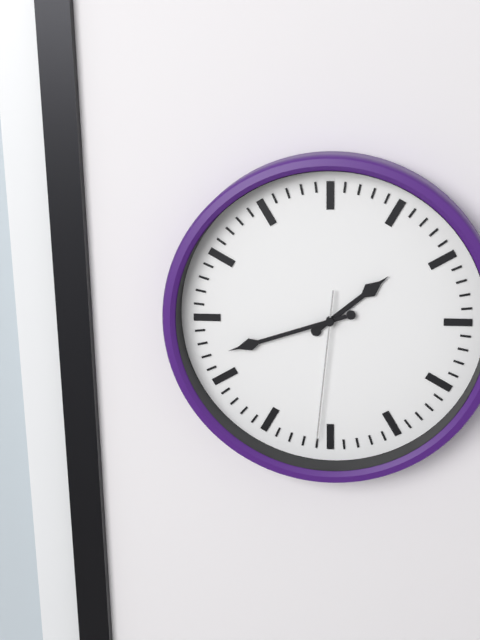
1 h 42 min 31 s
